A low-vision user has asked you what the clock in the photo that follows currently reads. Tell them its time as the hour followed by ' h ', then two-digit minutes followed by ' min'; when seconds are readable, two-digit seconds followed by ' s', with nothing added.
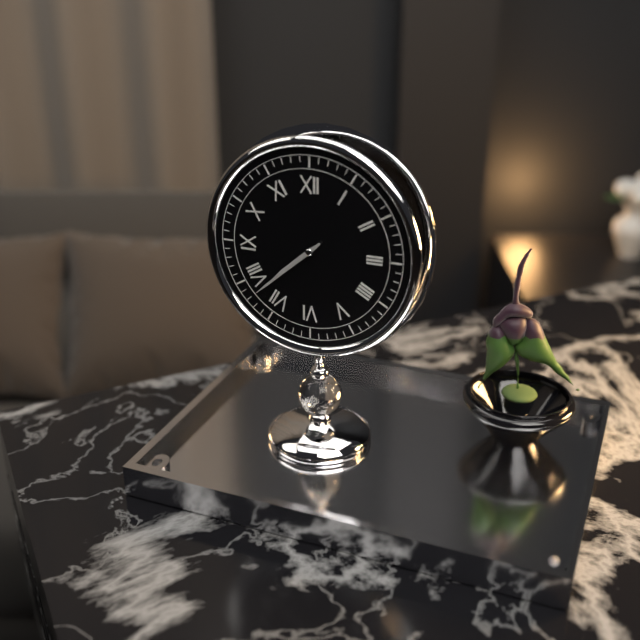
7 h 38 min
